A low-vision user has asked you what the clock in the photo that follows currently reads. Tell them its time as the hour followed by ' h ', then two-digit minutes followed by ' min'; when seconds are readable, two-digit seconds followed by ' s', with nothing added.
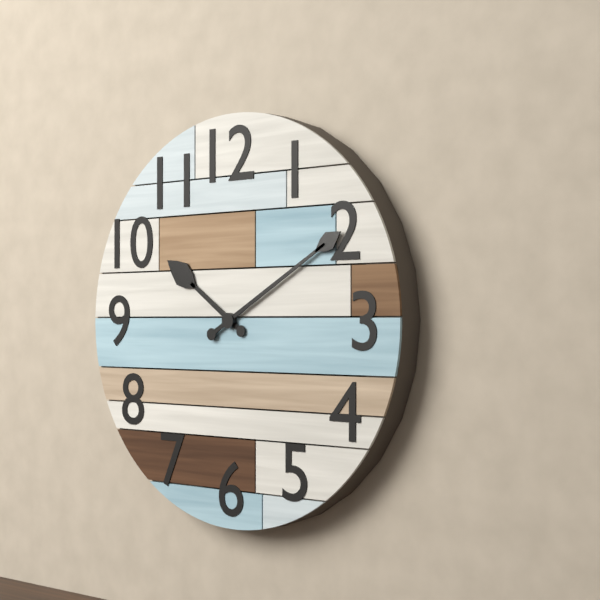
10 h 10 min
